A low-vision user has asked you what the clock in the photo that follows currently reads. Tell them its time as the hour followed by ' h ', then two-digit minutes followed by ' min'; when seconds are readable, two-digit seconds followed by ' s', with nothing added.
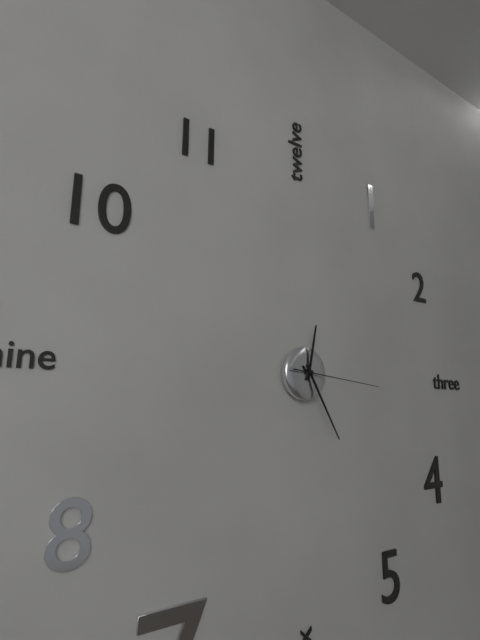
12 h 25 min 16 s
